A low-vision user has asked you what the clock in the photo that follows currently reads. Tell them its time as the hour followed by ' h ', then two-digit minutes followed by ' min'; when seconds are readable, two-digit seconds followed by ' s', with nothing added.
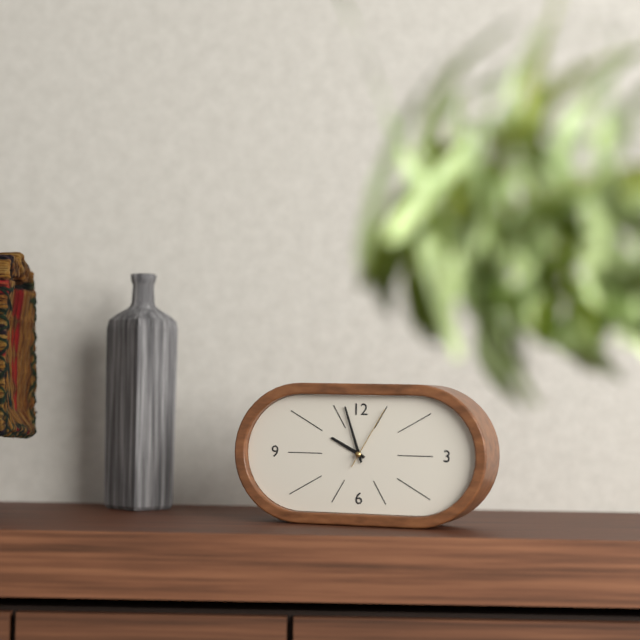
9 h 57 min 05 s
